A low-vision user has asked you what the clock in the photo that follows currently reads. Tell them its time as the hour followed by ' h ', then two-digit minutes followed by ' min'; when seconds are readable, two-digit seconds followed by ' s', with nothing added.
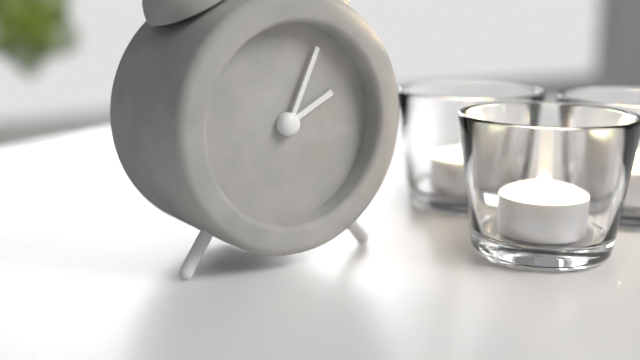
2 h 04 min
